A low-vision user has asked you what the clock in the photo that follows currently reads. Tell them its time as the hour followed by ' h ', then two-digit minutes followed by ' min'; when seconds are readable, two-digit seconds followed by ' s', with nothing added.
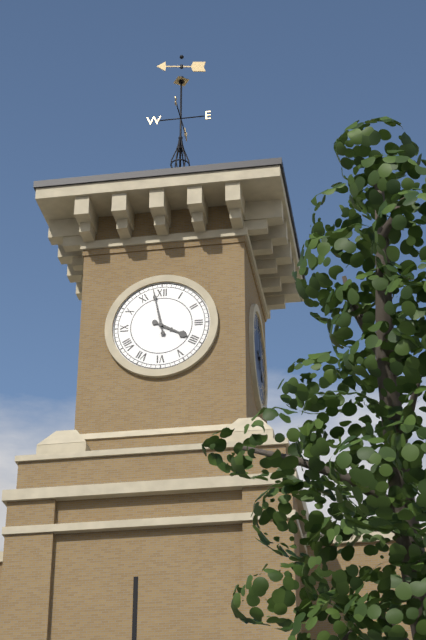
3 h 58 min
